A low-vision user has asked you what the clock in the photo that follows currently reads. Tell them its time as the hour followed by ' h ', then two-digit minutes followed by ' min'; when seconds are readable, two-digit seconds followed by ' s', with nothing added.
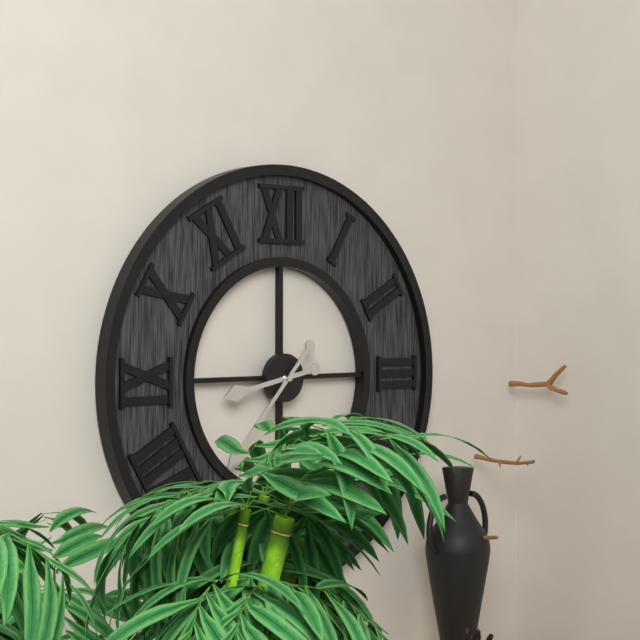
8 h 37 min
